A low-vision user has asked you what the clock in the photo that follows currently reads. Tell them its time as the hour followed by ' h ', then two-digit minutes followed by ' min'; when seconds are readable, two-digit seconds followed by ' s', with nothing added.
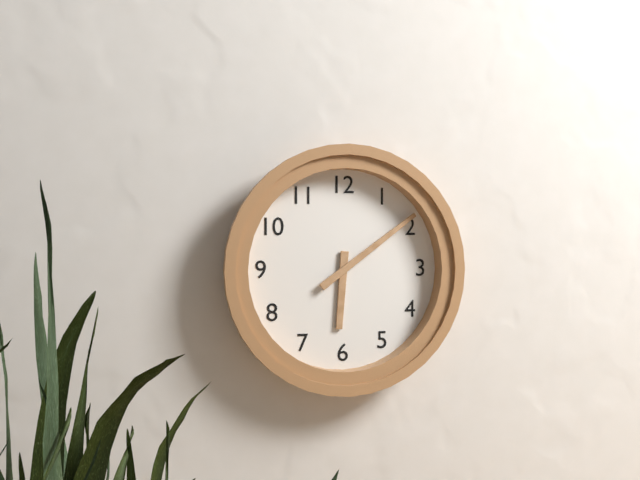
6 h 09 min
